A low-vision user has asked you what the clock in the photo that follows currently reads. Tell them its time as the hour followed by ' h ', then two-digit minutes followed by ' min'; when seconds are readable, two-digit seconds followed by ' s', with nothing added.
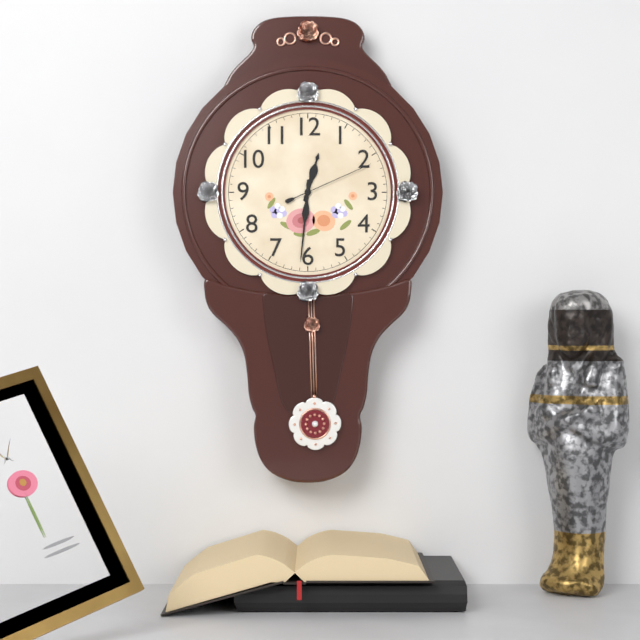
12 h 31 min 11 s
